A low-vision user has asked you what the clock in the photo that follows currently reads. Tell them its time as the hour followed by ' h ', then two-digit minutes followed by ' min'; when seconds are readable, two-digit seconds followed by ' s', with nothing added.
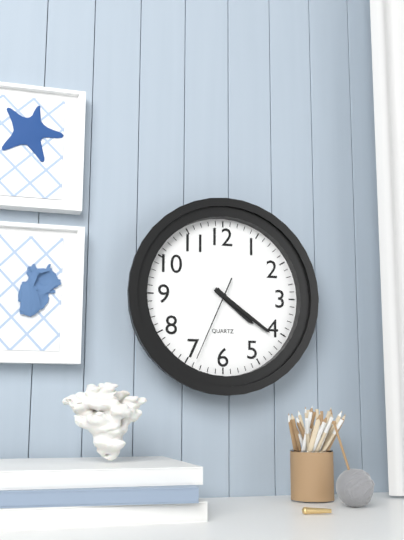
4 h 21 min 34 s
